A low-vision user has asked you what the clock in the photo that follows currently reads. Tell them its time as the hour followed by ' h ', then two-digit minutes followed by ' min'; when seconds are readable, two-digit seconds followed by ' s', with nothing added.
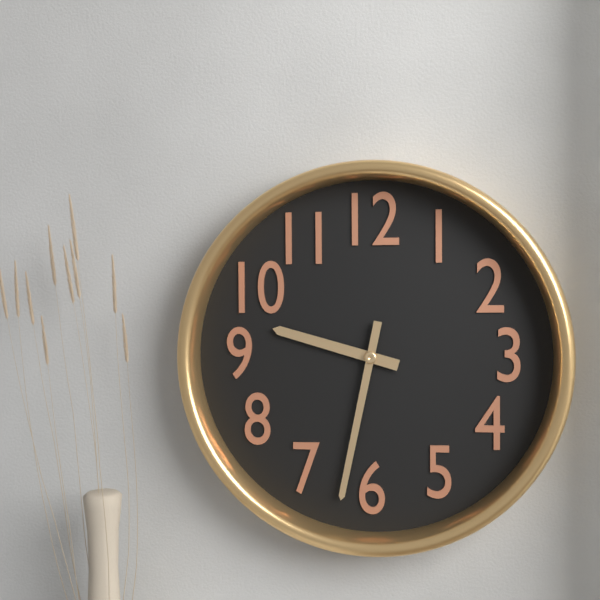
9 h 32 min
